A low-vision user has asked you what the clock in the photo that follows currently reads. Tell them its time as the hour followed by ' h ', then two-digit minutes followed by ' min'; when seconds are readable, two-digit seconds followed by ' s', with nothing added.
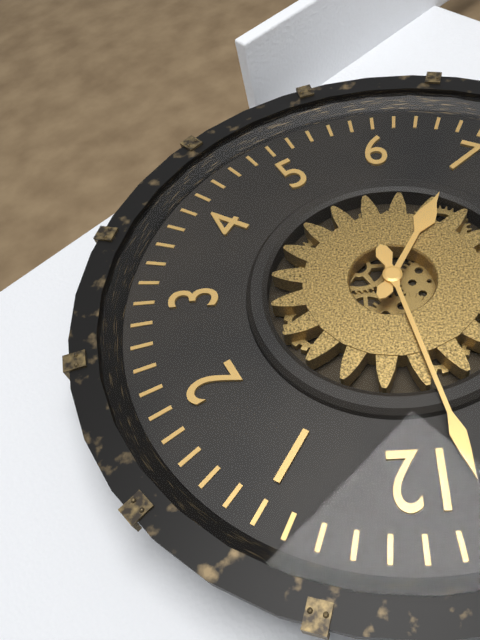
6 h 58 min
